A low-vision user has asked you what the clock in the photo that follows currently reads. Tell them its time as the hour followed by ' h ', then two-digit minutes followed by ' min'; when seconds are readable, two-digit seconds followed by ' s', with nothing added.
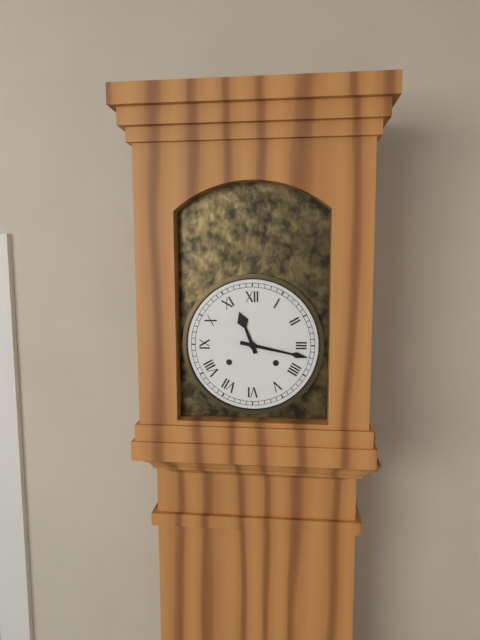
11 h 17 min
